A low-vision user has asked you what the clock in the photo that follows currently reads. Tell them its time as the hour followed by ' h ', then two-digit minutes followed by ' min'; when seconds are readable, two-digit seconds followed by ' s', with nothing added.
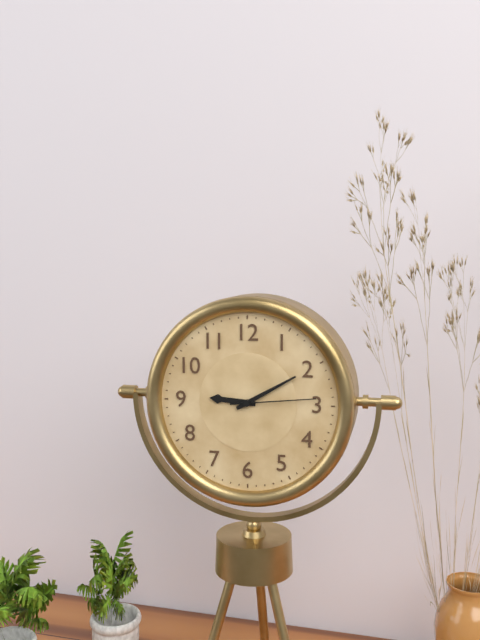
9 h 10 min 14 s
